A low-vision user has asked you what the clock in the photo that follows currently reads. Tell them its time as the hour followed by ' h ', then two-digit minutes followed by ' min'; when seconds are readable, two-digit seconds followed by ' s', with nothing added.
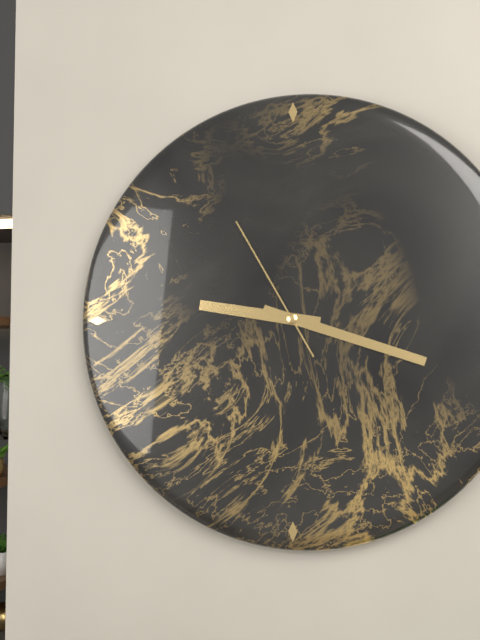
9 h 18 min 55 s
